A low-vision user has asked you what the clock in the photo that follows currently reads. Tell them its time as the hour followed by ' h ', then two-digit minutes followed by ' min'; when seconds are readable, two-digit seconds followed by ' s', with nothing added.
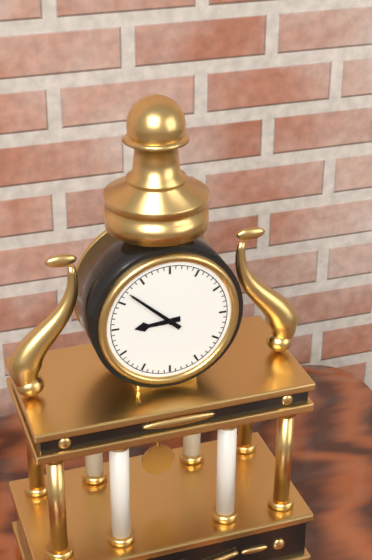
8 h 52 min
